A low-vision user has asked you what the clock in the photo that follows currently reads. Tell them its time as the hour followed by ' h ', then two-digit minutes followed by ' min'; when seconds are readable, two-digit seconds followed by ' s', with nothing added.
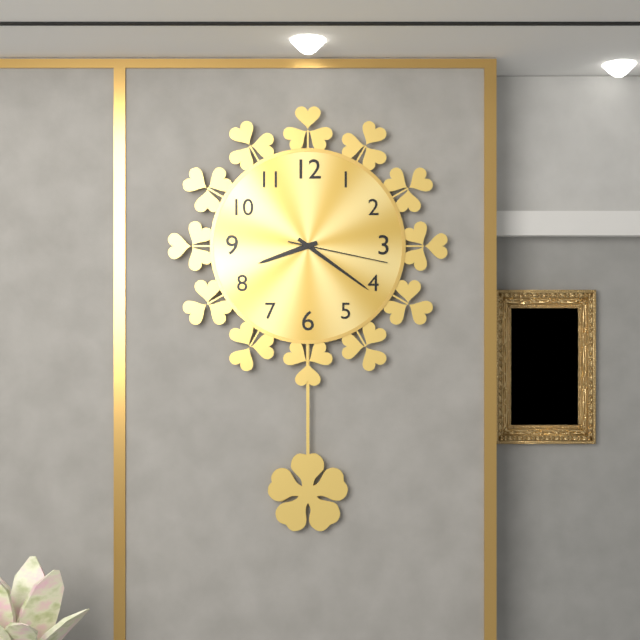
8 h 21 min 17 s
